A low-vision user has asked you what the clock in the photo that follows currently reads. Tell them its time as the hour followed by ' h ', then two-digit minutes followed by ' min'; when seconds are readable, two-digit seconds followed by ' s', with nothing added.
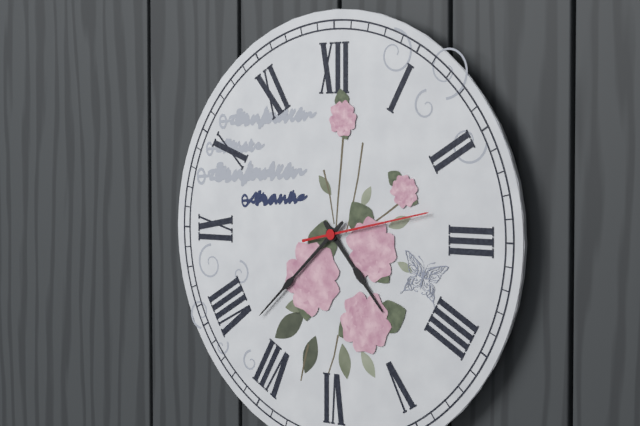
4 h 38 min 13 s
